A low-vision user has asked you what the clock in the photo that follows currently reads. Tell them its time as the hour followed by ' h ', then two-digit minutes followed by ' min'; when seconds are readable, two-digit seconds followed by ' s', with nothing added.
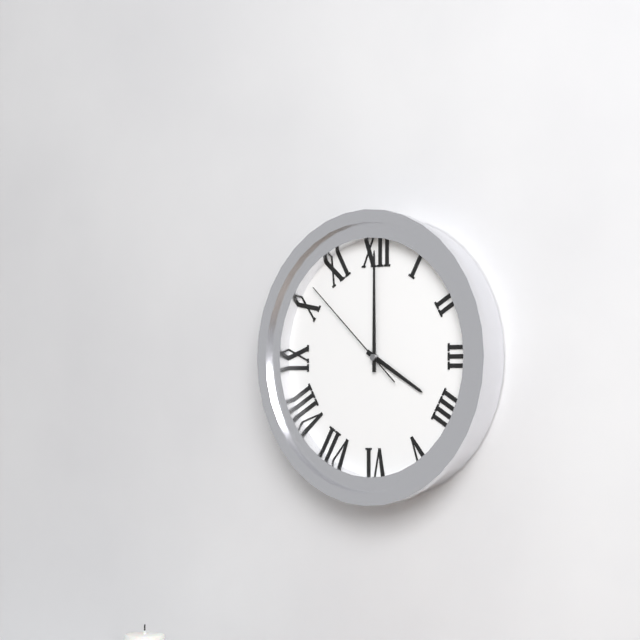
4 h 00 min 52 s
